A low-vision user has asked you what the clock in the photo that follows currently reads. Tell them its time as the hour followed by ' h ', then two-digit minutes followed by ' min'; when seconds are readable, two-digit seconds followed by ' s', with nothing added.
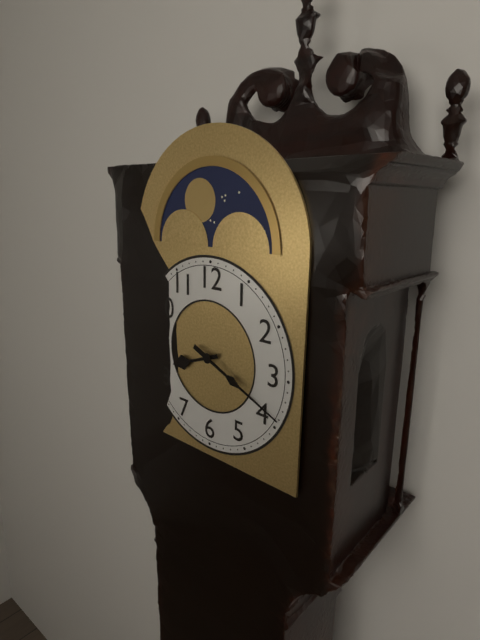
8 h 19 min
